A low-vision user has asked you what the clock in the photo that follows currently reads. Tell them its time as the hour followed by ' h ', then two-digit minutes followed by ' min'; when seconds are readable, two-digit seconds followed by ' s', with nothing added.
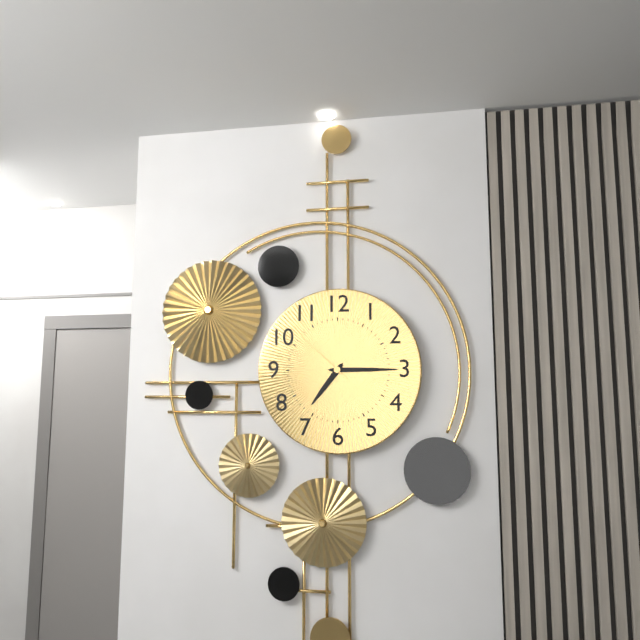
7 h 15 min 52 s
